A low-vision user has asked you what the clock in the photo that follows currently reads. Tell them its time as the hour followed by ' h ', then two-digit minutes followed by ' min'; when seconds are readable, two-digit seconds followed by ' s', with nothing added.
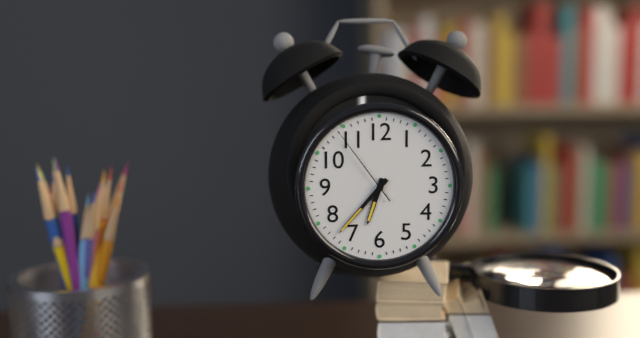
6 h 37 min 54 s
